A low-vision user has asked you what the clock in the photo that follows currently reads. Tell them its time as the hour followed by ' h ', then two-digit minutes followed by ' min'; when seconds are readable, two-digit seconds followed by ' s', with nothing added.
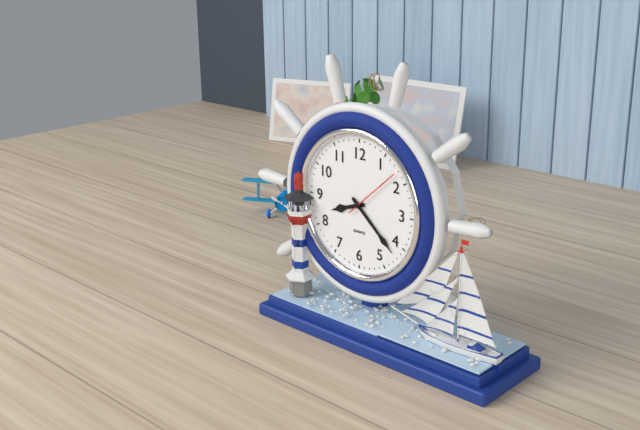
8 h 22 min 08 s
